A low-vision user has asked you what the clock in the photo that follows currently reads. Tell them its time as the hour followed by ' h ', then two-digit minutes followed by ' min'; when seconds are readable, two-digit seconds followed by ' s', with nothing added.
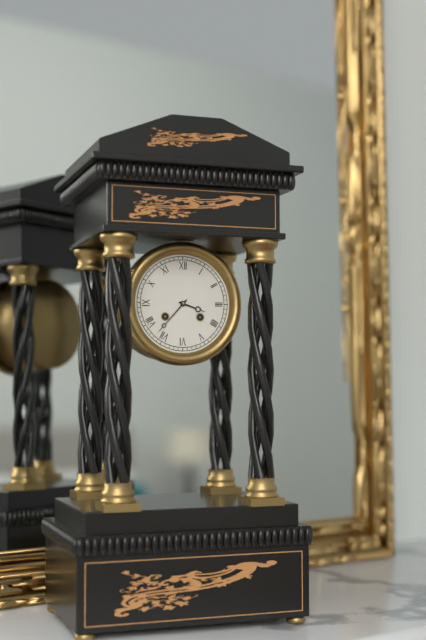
3 h 37 min
